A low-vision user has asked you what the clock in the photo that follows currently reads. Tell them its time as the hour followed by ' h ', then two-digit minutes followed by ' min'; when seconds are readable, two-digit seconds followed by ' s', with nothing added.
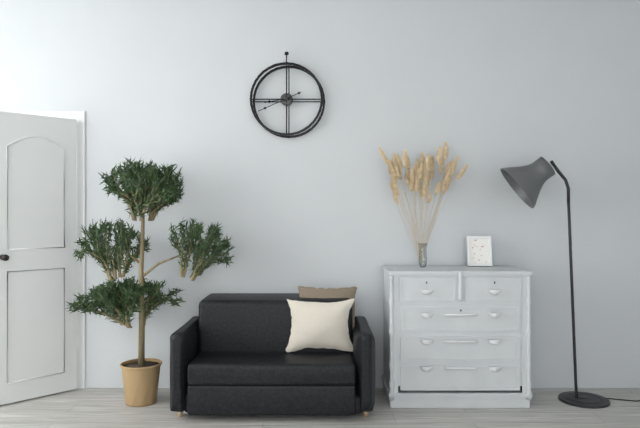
8 h 41 min
